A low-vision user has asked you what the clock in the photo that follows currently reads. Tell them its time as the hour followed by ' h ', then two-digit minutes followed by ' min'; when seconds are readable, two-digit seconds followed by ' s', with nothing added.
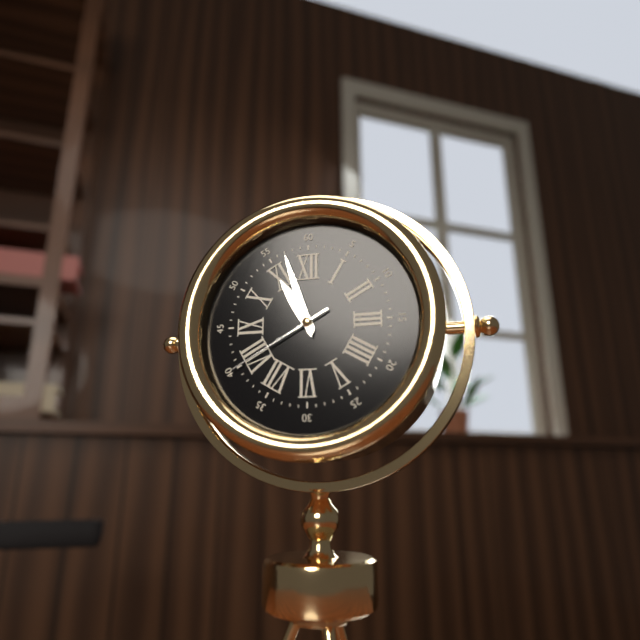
10 h 57 min 40 s
